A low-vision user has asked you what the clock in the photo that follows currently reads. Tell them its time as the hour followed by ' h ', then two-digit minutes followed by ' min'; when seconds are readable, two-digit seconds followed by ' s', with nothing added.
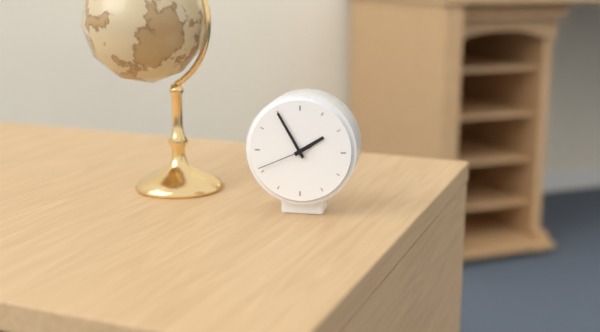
1 h 55 min 41 s
